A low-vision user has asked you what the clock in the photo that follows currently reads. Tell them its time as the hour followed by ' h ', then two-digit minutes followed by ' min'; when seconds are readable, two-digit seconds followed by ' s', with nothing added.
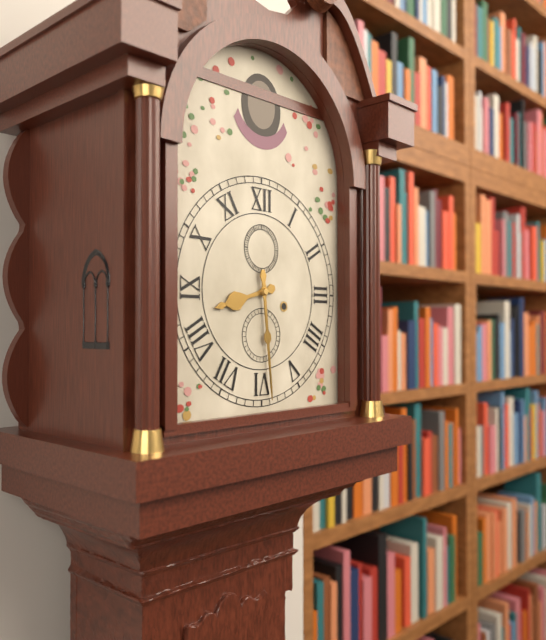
8 h 29 min
